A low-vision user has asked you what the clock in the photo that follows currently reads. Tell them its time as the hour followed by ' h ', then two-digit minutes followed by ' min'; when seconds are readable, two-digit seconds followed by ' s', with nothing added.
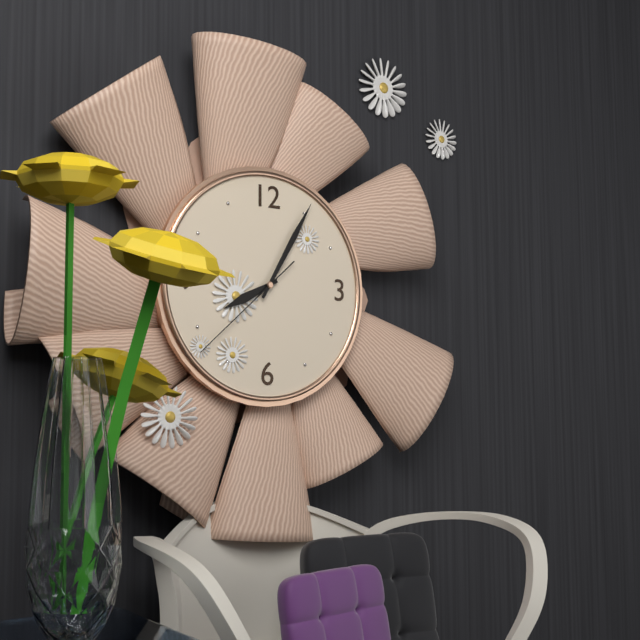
8 h 05 min 38 s
